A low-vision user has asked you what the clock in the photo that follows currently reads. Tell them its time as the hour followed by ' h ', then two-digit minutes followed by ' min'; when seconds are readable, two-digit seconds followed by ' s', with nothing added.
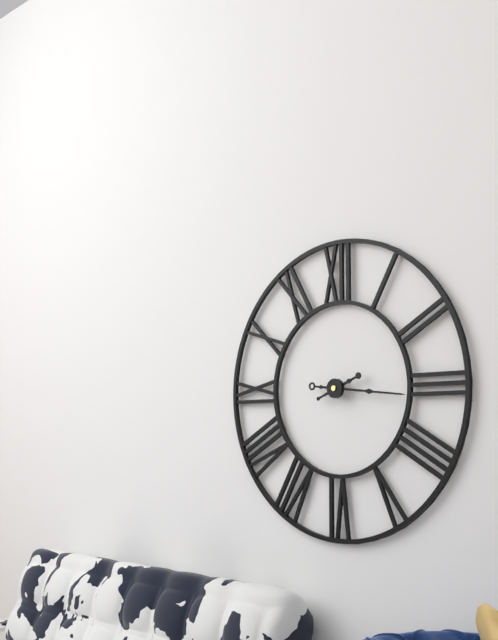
2 h 16 min
